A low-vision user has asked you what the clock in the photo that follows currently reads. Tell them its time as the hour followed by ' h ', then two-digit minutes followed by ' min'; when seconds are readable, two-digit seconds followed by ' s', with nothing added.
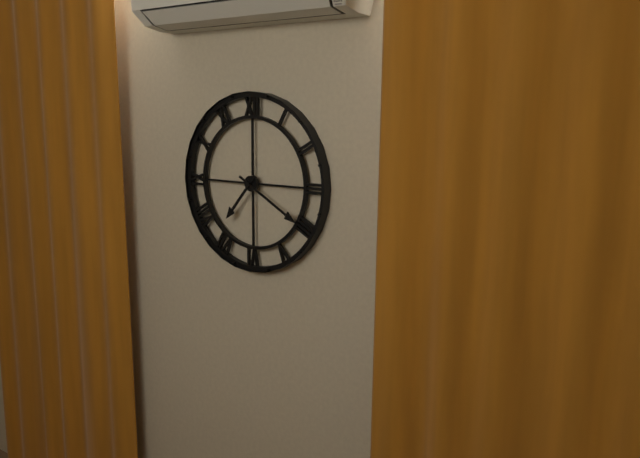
7 h 20 min
